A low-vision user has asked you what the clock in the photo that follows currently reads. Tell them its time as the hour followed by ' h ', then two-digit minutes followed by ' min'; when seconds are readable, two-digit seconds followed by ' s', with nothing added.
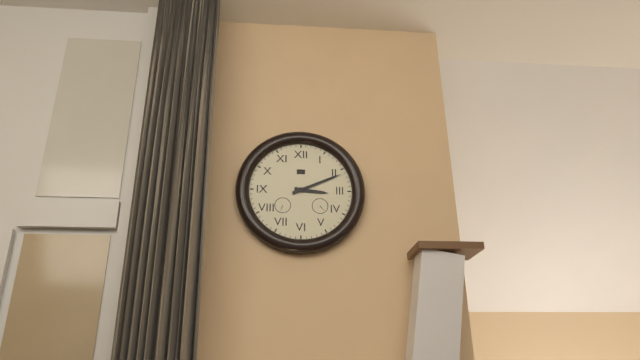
3 h 11 min
